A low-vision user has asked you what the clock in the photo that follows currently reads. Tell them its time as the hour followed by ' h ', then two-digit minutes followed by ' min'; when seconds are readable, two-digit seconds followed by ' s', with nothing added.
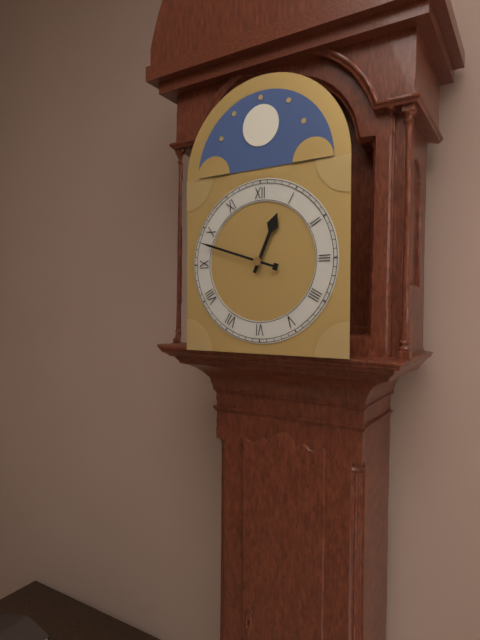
12 h 48 min
